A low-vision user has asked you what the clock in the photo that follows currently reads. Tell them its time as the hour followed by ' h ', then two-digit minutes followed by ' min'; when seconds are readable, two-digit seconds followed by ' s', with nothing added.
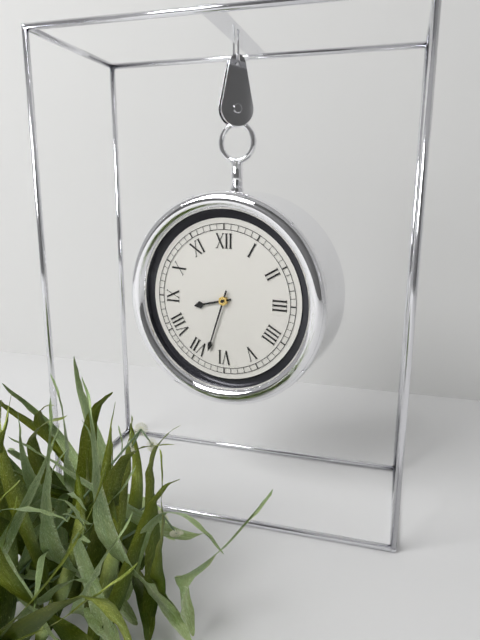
8 h 33 min
